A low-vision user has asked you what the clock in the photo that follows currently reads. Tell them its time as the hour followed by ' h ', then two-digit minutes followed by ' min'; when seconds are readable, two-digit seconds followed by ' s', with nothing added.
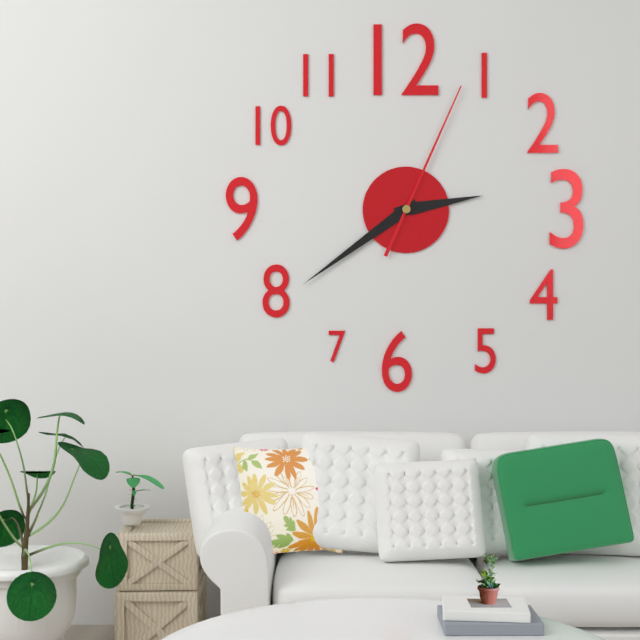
2 h 39 min 04 s
